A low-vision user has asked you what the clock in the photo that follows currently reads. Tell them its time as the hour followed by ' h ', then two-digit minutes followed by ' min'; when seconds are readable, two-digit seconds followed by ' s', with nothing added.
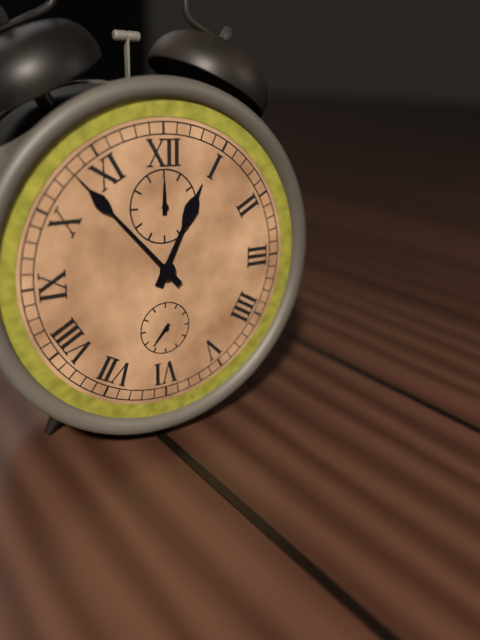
12 h 53 min
